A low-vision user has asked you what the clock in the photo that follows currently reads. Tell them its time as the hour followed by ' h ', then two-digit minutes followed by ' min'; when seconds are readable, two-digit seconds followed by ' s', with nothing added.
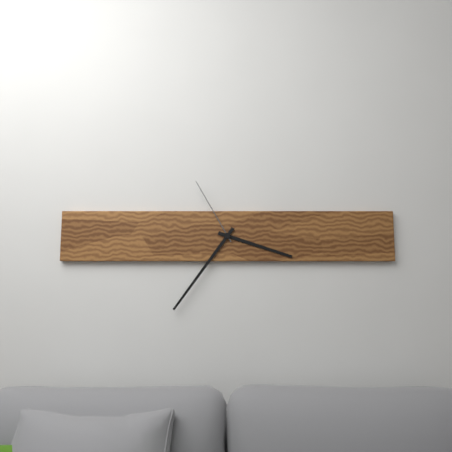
3 h 36 min 55 s
